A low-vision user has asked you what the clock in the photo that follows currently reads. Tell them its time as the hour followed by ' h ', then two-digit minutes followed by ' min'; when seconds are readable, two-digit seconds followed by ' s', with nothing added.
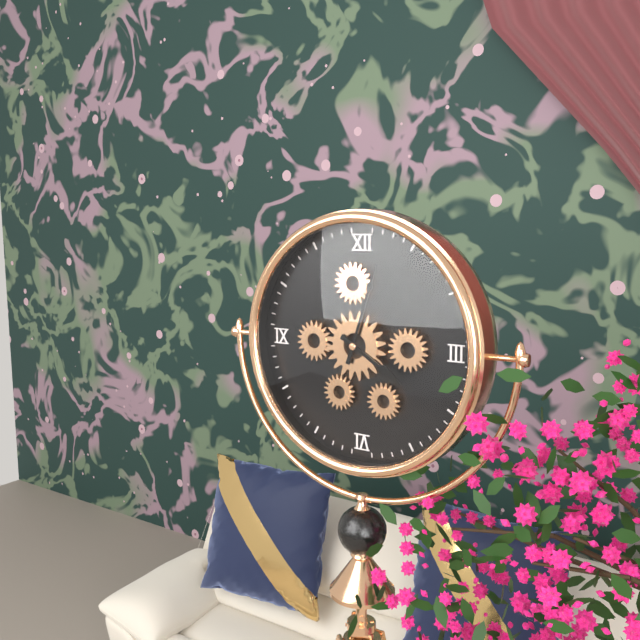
4 h 03 min
